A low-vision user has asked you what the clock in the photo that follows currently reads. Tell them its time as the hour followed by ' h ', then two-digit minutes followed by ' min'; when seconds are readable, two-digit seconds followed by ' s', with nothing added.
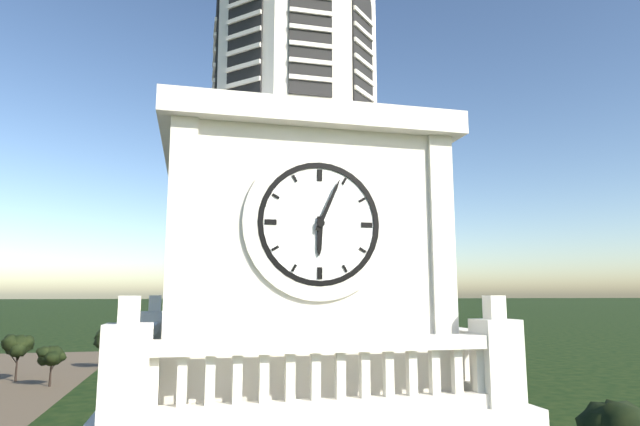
6 h 04 min
